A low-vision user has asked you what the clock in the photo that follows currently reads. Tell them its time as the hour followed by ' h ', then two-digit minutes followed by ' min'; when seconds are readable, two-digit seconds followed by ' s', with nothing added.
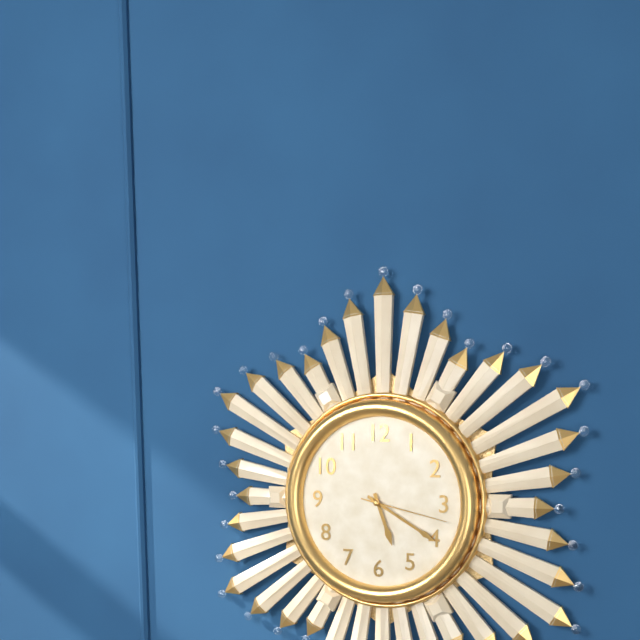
5 h 20 min 17 s
